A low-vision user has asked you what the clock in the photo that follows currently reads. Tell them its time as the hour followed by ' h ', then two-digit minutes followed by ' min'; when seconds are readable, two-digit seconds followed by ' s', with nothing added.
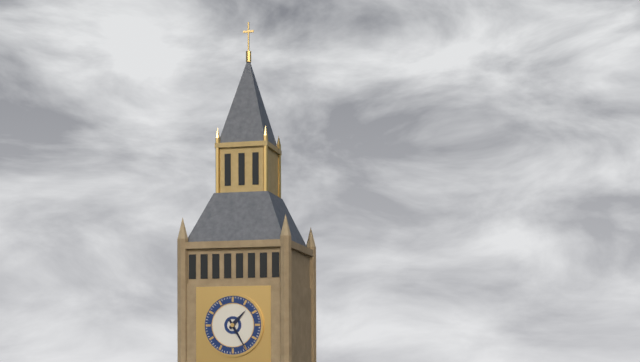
1 h 25 min
